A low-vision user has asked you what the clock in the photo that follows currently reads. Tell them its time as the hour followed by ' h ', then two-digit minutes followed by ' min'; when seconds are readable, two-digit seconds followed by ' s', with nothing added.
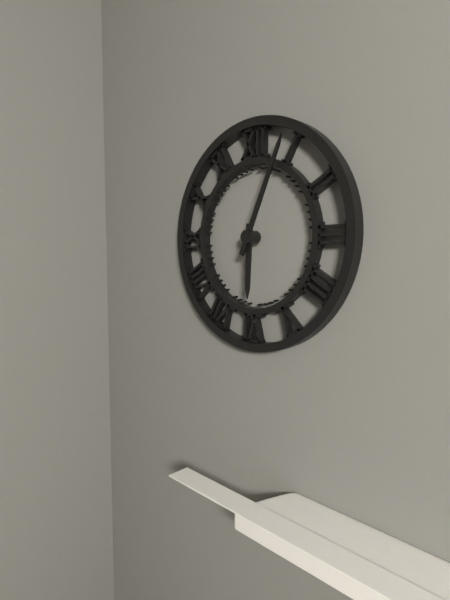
6 h 04 min
